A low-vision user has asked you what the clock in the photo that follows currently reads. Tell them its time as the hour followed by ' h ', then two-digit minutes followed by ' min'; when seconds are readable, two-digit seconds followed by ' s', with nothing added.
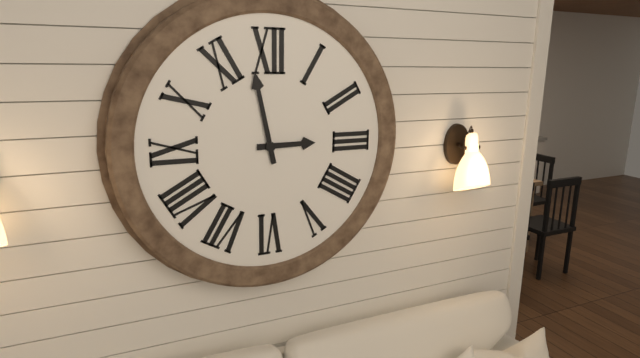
2 h 58 min
